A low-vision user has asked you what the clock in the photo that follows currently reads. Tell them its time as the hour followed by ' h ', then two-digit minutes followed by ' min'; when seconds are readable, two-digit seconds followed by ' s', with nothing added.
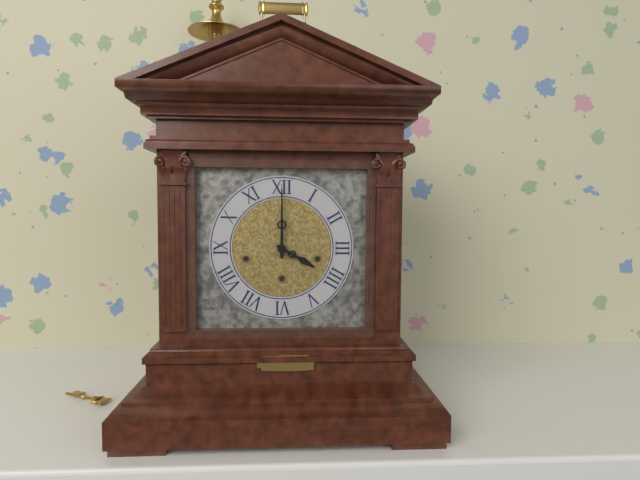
4 h 00 min
